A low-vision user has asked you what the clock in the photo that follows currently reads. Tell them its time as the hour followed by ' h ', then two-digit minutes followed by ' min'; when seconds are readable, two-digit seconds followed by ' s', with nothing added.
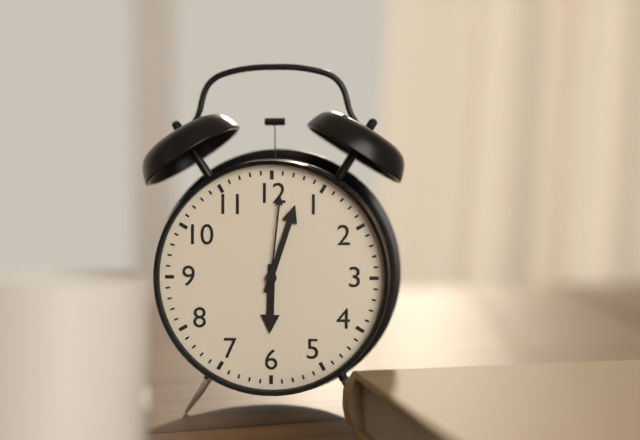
6 h 03 min 01 s
